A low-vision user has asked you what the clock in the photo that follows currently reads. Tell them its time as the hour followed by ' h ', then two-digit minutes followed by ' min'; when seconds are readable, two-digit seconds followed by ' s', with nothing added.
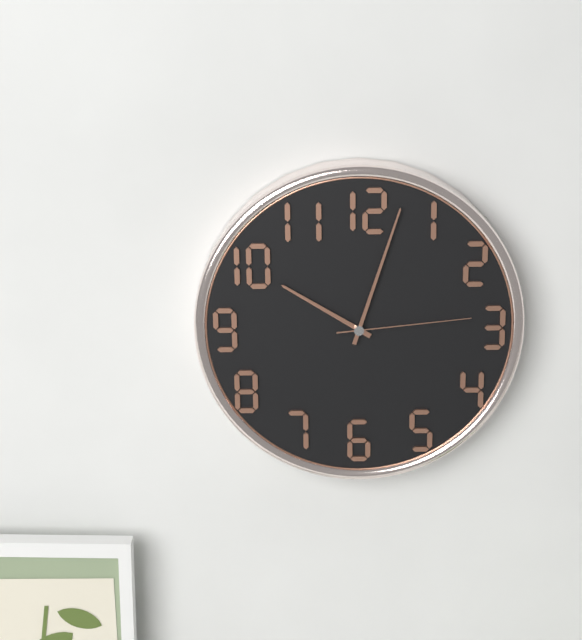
10 h 03 min 14 s
